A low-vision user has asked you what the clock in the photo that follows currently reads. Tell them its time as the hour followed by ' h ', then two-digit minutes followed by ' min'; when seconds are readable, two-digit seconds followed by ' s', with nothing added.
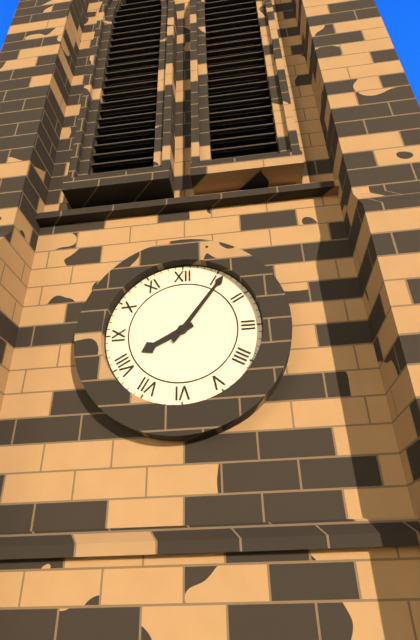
8 h 06 min
